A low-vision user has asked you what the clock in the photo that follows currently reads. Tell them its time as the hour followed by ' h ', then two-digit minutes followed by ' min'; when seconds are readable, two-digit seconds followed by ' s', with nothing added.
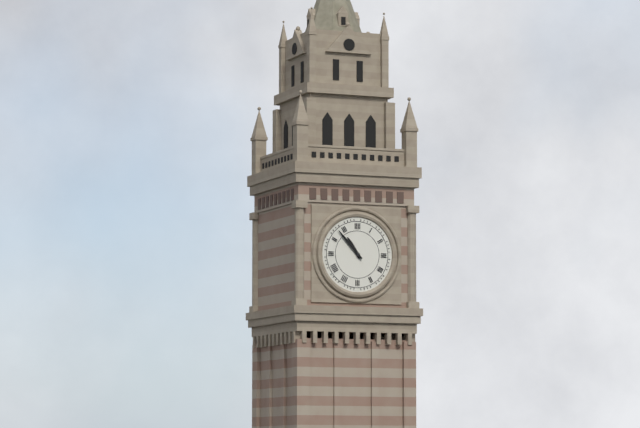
10 h 53 min
